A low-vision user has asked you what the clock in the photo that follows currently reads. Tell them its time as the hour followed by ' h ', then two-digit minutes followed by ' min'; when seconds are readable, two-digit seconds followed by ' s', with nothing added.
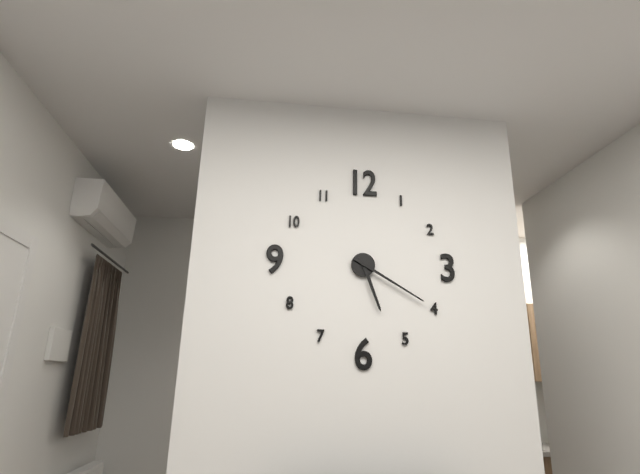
5 h 20 min
